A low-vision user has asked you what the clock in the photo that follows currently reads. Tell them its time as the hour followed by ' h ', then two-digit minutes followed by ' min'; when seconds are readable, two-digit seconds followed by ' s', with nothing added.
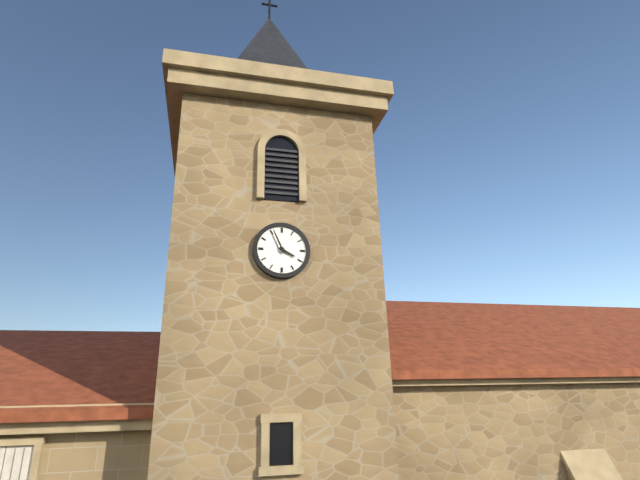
3 h 56 min
